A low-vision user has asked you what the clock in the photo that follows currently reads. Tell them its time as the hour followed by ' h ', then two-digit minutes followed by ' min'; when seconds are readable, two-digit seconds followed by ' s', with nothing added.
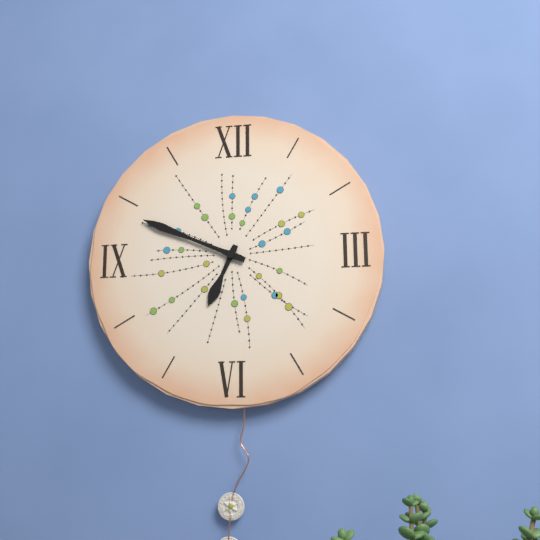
6 h 49 min
